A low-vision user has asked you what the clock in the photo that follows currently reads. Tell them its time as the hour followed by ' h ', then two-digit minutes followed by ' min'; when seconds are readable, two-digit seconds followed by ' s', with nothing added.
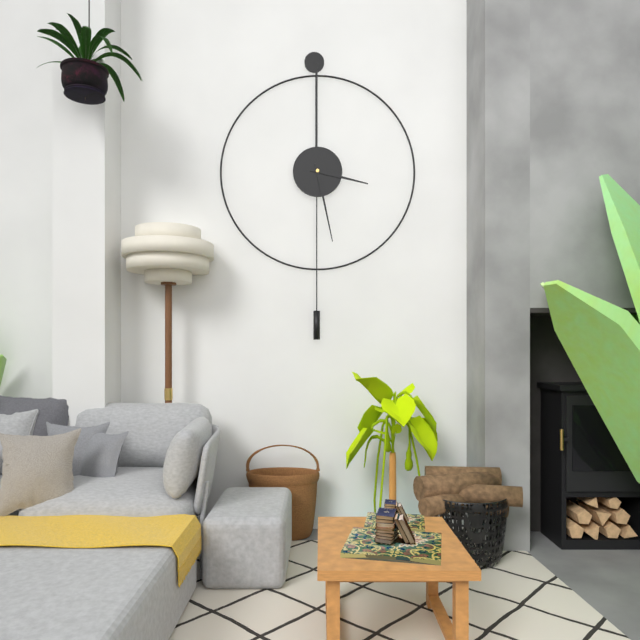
3 h 28 min
